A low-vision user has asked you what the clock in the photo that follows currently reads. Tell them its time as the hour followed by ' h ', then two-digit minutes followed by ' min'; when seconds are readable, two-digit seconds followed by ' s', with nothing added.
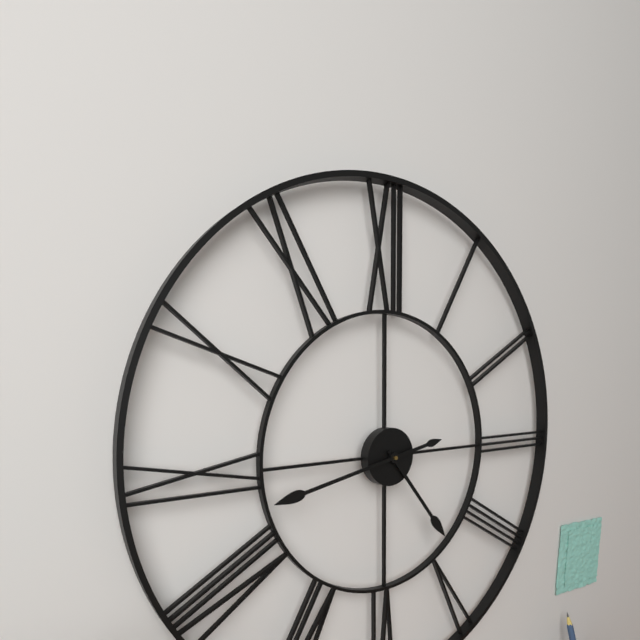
4 h 43 min
